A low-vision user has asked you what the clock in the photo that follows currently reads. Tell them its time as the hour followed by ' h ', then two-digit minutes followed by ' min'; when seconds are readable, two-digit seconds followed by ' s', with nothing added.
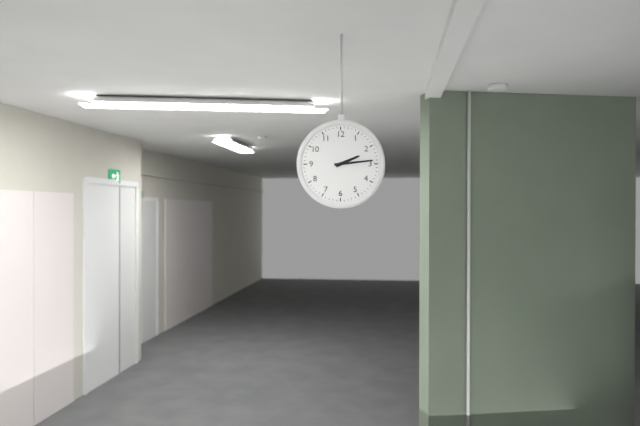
2 h 14 min
